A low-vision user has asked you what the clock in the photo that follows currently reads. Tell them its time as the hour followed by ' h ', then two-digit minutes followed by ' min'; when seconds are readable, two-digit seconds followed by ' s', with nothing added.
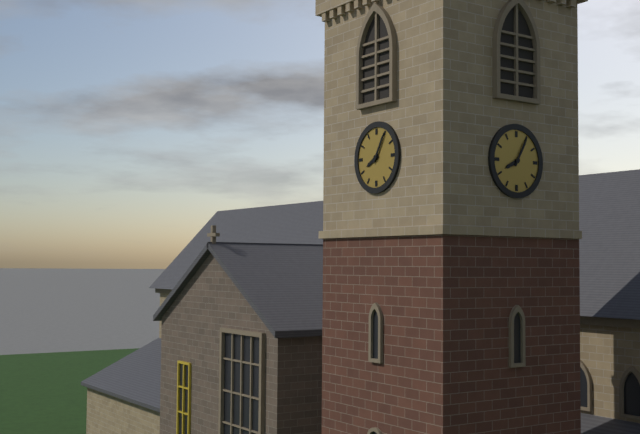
8 h 05 min
